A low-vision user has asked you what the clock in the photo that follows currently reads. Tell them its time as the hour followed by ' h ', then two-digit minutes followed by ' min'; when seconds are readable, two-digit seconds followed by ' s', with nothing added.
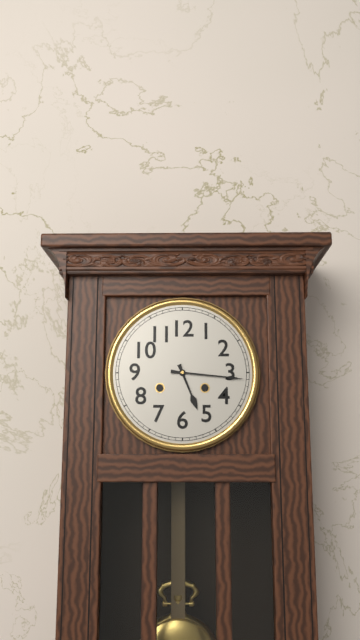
5 h 16 min
